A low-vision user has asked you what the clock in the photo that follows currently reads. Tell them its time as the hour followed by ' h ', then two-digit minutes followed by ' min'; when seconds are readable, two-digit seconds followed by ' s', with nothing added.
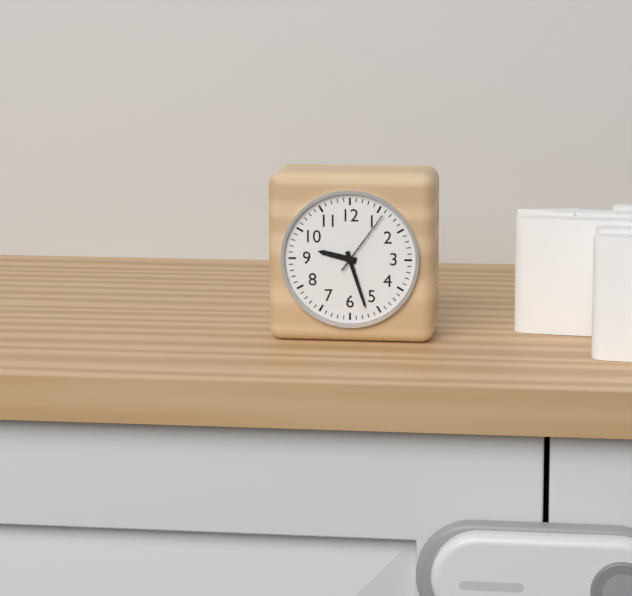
9 h 27 min 06 s
